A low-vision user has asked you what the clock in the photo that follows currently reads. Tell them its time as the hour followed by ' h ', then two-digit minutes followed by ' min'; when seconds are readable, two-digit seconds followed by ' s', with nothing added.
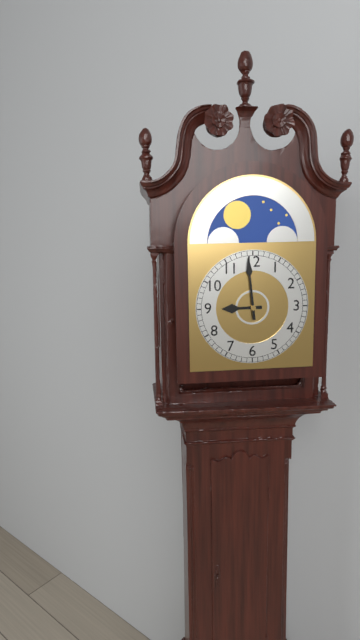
8 h 59 min
